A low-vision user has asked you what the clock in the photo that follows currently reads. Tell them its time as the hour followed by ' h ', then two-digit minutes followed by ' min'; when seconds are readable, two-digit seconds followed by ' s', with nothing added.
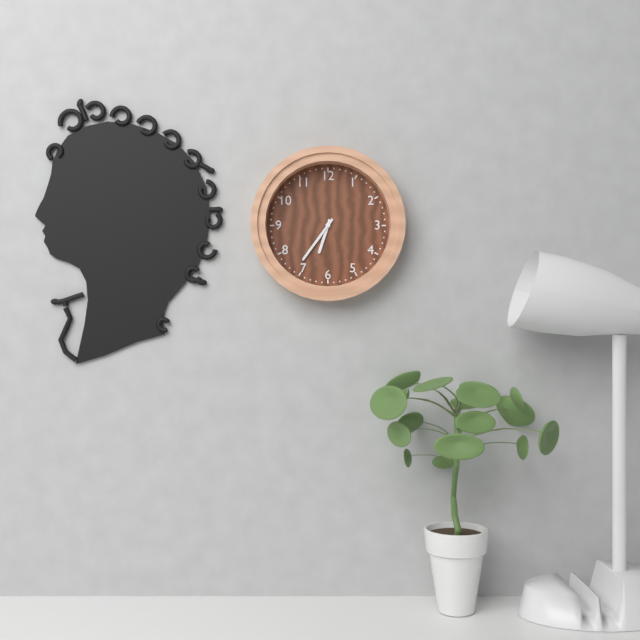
6 h 36 min
